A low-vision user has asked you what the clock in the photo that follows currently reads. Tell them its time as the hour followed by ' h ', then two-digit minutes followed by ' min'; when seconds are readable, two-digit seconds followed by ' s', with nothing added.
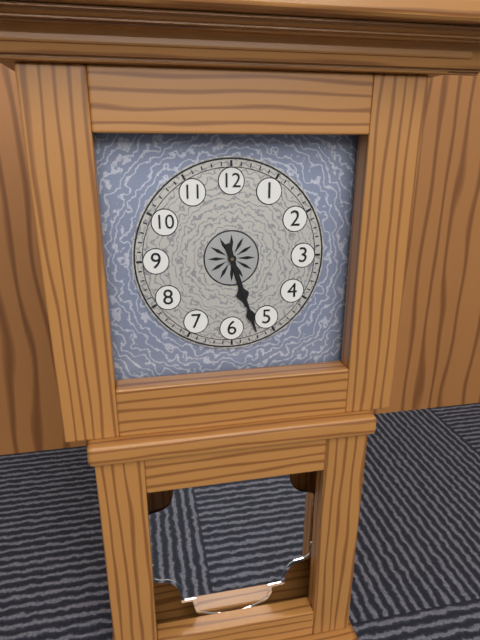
5 h 27 min
